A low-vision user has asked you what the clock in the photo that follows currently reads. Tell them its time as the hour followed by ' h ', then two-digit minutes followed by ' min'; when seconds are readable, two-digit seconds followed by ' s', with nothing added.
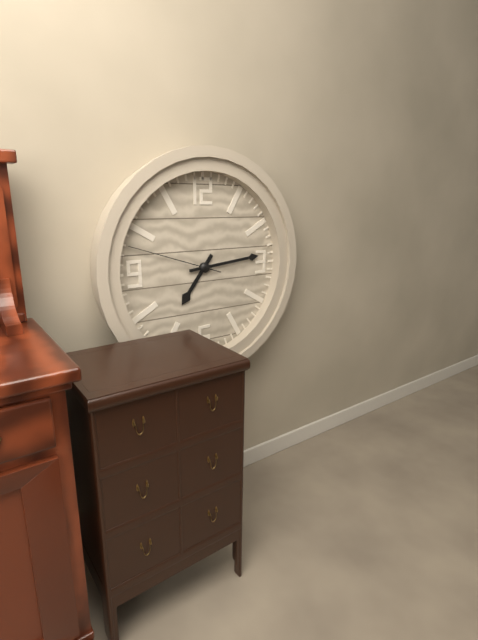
7 h 14 min 48 s
